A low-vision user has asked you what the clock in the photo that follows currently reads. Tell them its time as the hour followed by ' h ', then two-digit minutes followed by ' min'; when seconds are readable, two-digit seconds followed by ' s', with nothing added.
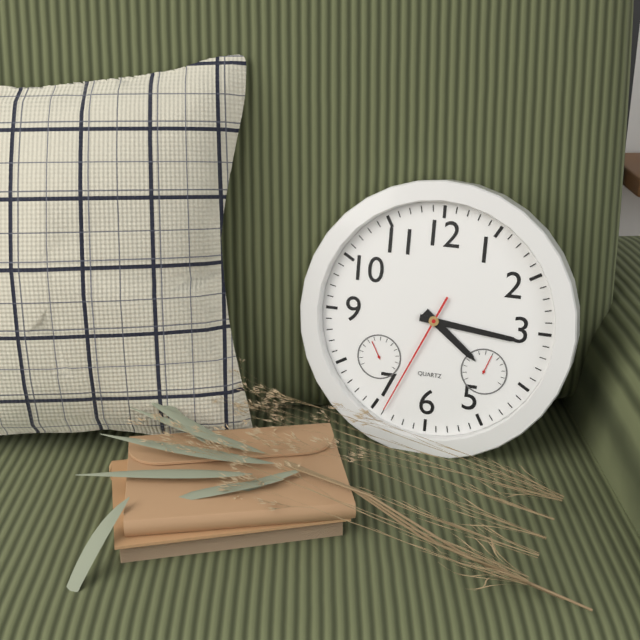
4 h 16 min 34 s
